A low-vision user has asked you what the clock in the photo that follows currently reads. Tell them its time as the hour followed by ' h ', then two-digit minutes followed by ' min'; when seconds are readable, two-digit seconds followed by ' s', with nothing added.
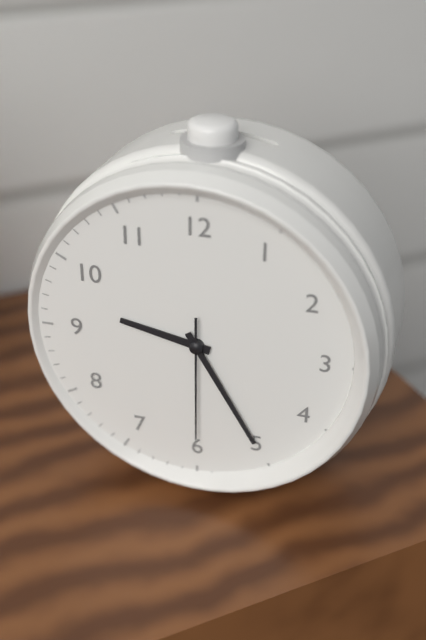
9 h 25 min 30 s
